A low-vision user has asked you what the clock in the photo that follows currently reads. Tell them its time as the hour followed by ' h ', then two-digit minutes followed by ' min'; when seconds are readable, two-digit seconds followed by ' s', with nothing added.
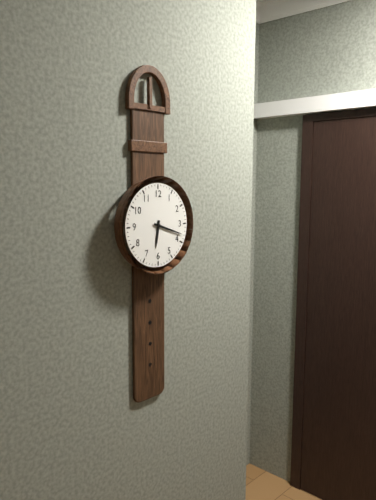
6 h 18 min
